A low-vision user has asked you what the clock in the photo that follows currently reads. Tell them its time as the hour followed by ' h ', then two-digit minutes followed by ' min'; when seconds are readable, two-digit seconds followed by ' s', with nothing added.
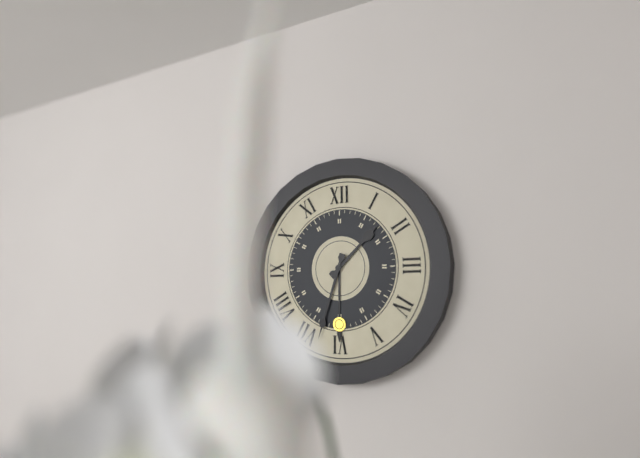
1 h 33 min
